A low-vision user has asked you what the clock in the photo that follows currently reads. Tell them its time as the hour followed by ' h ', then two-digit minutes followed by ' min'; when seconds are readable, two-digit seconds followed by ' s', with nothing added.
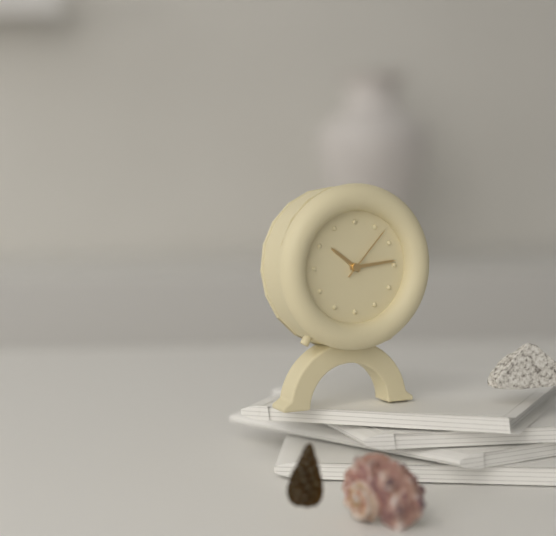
10 h 14 min 07 s
